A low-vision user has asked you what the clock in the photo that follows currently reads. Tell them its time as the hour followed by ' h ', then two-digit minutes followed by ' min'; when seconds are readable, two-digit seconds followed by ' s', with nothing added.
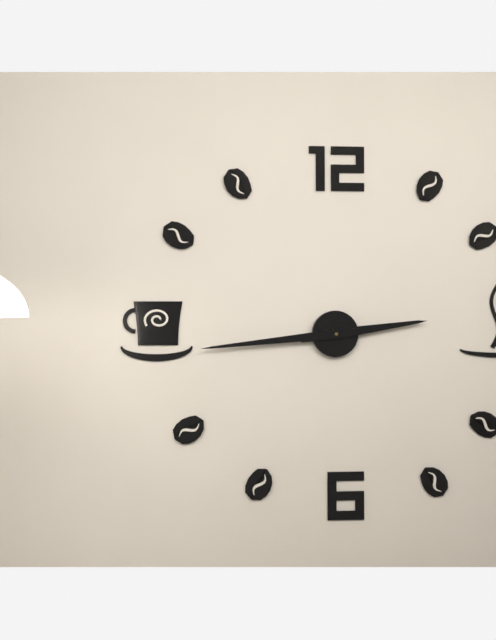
2 h 44 min
